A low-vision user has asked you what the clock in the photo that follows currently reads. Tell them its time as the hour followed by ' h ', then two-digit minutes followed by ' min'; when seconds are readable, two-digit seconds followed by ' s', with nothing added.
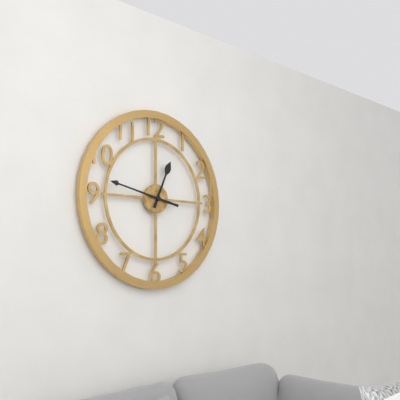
12 h 47 min
